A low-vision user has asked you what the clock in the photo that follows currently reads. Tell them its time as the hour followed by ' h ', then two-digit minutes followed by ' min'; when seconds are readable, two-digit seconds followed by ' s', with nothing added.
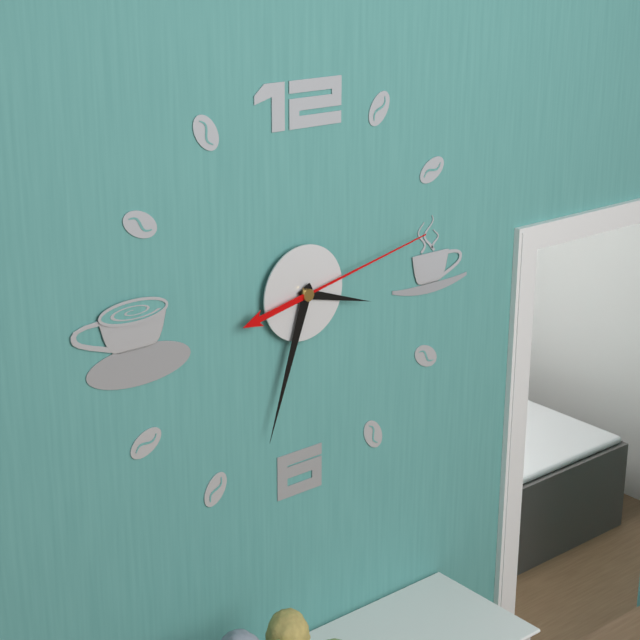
3 h 33 min 13 s
